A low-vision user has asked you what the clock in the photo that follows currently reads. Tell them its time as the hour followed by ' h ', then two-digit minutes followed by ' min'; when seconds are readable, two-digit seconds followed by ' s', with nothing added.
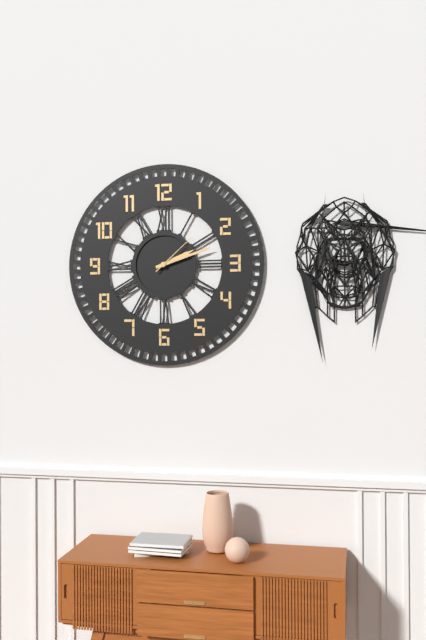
2 h 12 min
